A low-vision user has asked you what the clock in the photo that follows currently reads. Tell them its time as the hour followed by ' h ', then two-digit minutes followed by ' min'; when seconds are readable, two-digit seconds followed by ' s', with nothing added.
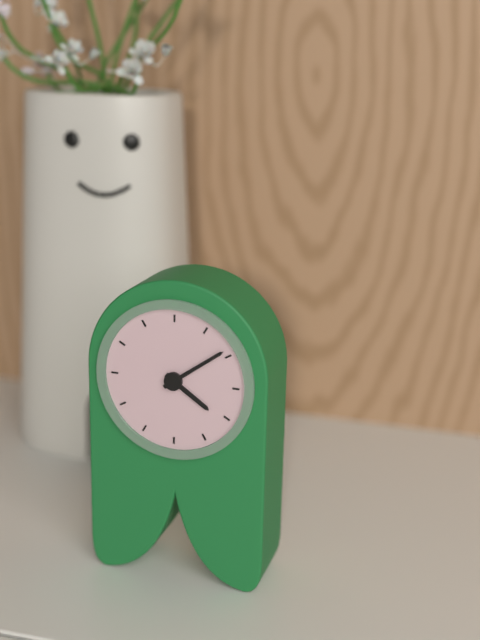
4 h 09 min
